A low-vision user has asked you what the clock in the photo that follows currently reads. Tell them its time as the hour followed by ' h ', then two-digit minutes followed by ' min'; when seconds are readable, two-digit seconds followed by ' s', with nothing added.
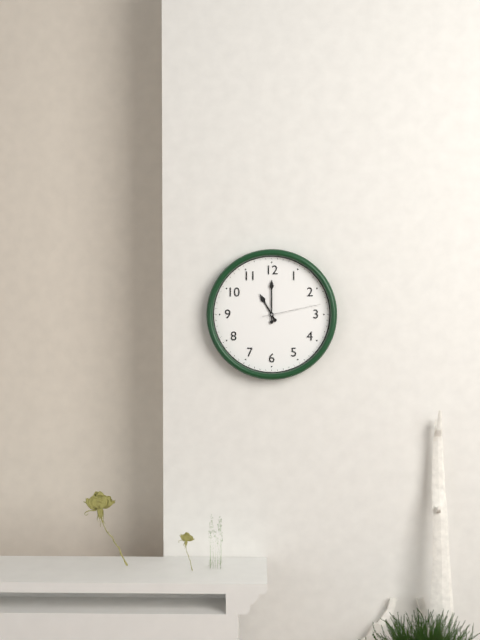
11 h 00 min 13 s
